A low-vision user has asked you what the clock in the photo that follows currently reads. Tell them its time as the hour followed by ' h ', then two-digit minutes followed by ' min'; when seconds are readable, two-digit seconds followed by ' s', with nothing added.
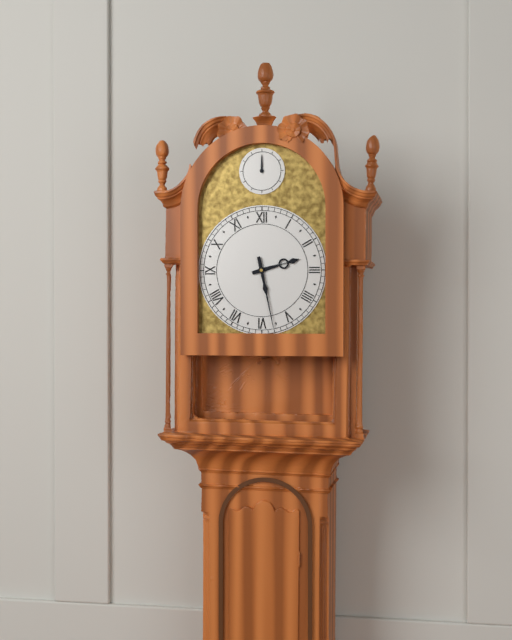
2 h 28 min
